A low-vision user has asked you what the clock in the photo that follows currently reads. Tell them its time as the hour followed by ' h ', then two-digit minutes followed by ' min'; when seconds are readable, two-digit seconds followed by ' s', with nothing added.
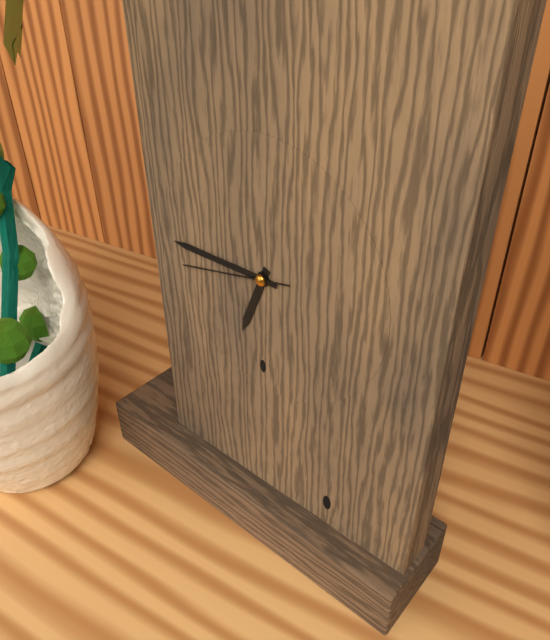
6 h 45 min 43 s
